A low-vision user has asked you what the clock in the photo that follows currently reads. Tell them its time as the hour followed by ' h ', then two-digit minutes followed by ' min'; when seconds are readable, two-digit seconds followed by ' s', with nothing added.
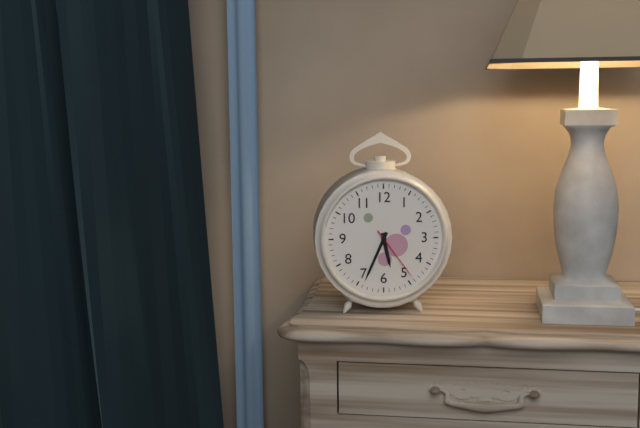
5 h 34 min 24 s
